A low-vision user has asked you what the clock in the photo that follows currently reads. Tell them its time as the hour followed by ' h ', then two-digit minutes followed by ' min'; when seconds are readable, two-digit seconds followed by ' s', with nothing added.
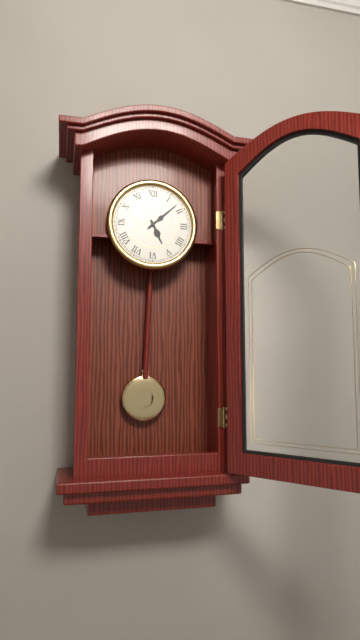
5 h 08 min
